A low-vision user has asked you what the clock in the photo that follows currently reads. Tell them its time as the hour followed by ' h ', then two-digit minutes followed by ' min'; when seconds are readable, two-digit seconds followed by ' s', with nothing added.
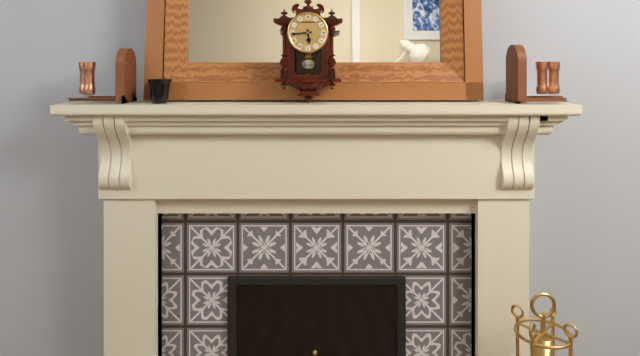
5 h 44 min
